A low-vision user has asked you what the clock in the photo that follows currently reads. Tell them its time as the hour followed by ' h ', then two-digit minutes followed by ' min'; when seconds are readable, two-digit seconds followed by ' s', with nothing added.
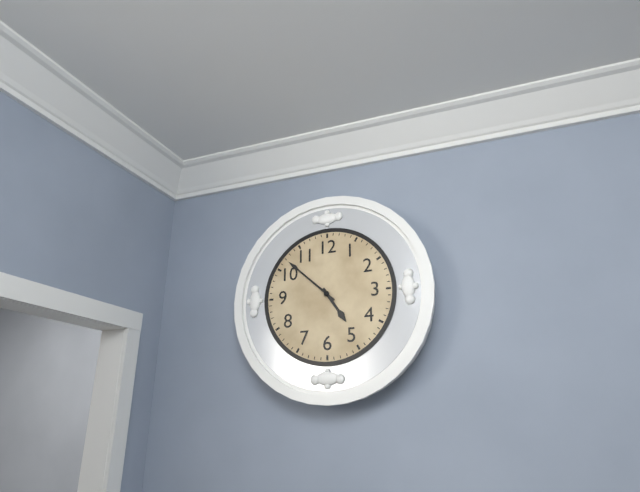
4 h 52 min
